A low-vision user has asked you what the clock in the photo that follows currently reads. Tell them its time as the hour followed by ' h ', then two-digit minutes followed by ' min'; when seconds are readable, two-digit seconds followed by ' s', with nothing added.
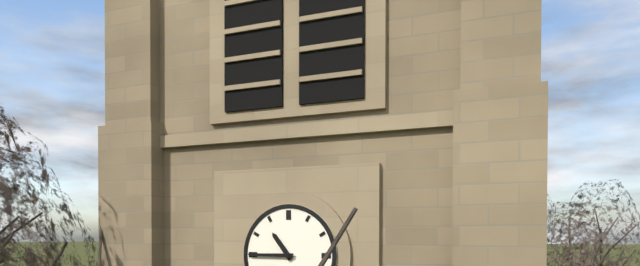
10 h 45 min
